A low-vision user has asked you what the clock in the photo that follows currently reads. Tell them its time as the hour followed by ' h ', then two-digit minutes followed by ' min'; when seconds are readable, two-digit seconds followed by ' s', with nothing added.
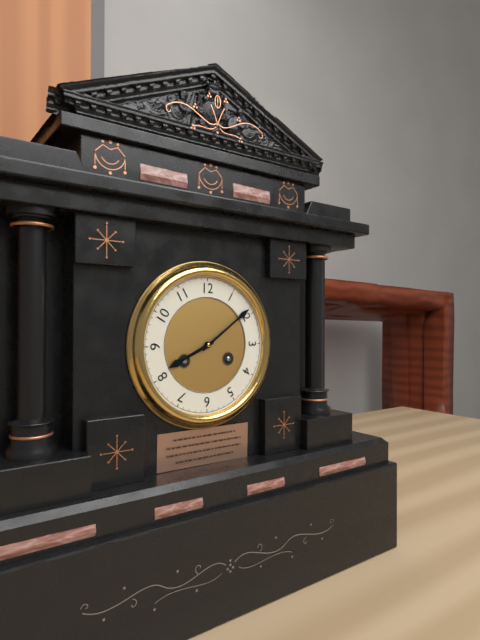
8 h 09 min
